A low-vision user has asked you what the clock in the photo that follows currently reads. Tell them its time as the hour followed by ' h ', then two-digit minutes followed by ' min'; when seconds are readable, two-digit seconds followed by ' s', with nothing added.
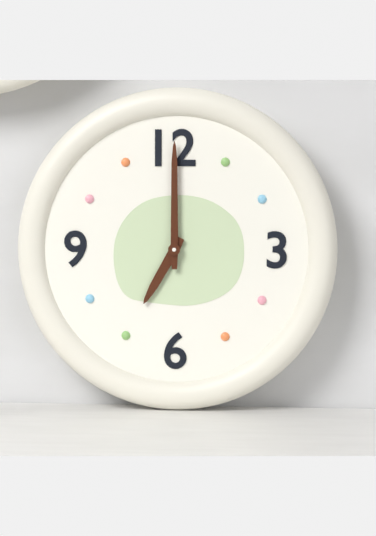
7 h 00 min
